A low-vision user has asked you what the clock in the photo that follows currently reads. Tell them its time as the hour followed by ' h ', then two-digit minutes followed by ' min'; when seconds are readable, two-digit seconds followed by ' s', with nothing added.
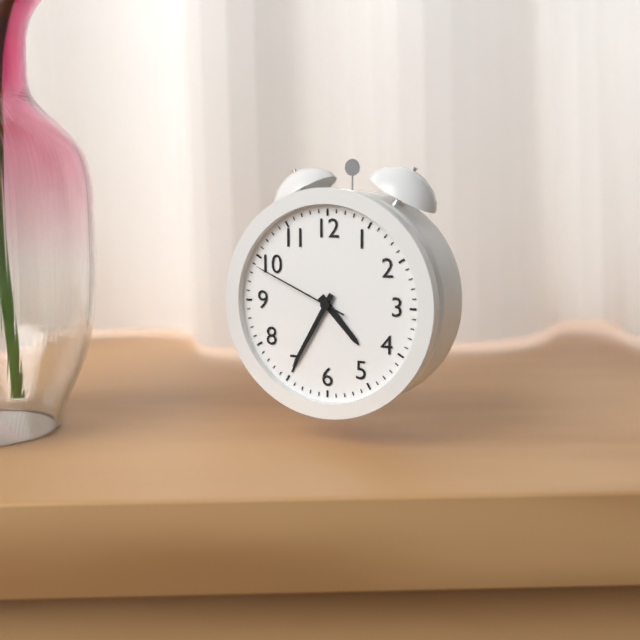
4 h 35 min 49 s
